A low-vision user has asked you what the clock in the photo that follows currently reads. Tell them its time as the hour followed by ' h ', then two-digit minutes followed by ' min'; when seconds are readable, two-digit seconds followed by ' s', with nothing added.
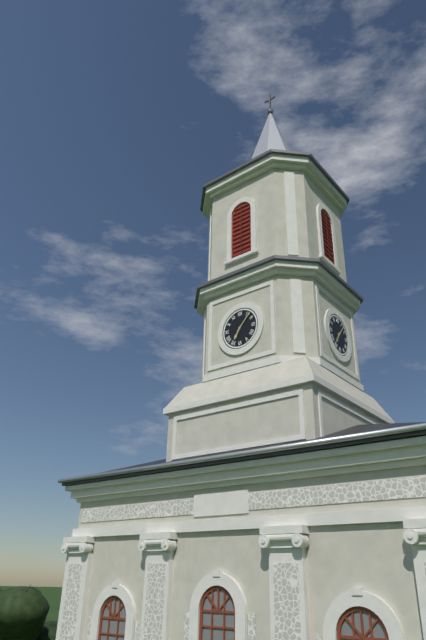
7 h 07 min
